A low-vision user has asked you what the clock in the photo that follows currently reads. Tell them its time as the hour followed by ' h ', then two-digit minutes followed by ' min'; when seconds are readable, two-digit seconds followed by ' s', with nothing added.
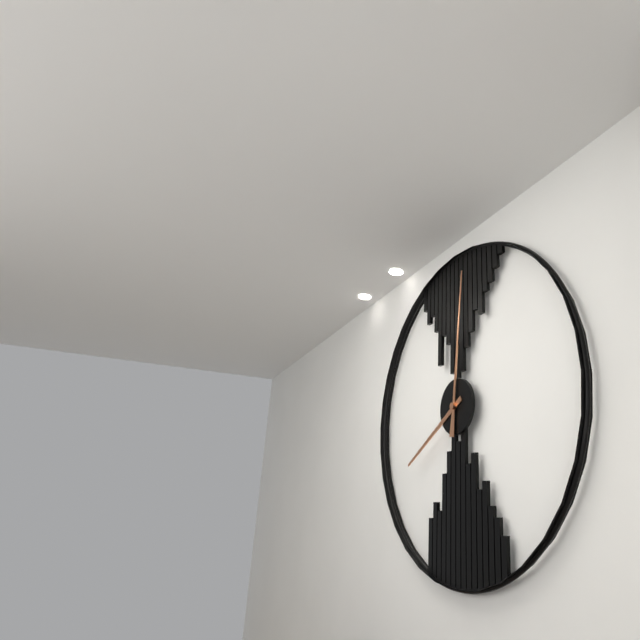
8 h 01 min
